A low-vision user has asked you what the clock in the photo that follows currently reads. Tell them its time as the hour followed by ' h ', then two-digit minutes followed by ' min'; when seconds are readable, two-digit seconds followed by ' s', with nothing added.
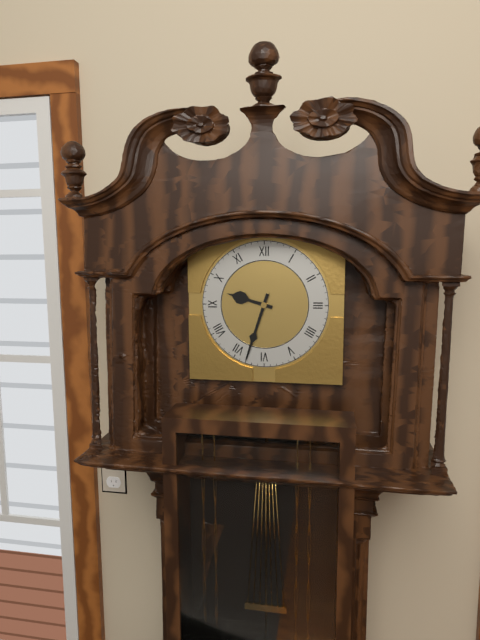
9 h 33 min
